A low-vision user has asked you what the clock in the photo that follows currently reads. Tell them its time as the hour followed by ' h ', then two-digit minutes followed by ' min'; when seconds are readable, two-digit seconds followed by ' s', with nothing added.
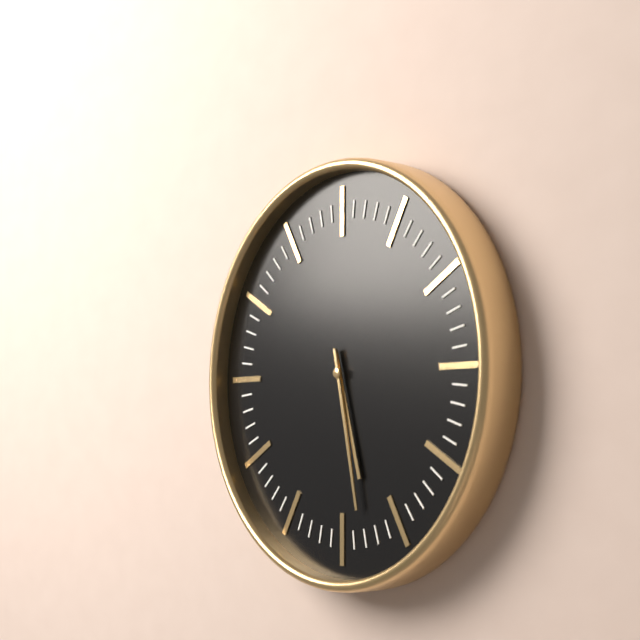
5 h 28 min
